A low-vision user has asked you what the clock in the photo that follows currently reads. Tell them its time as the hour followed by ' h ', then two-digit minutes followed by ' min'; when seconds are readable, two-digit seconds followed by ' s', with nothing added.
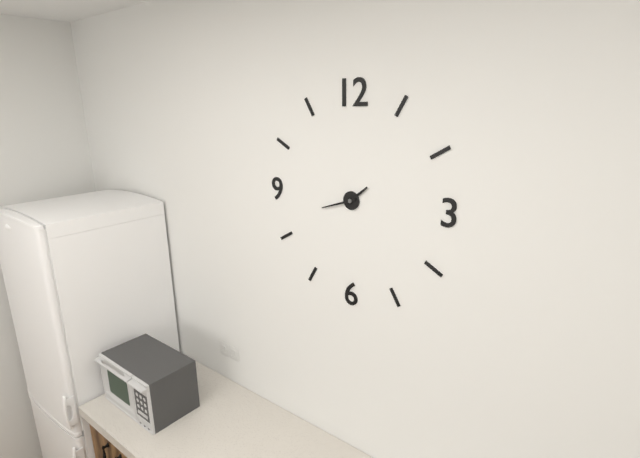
1 h 42 min
